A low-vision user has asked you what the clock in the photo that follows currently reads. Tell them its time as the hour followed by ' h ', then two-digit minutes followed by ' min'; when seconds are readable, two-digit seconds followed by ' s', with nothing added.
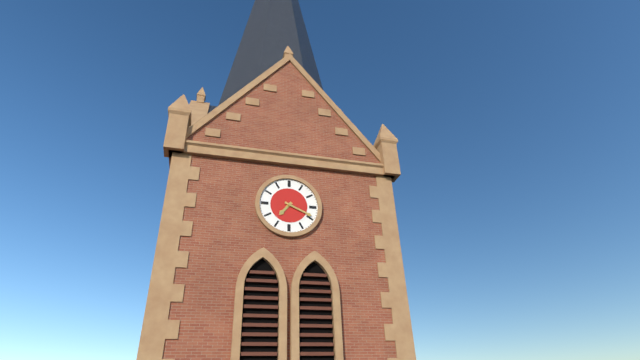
7 h 19 min
